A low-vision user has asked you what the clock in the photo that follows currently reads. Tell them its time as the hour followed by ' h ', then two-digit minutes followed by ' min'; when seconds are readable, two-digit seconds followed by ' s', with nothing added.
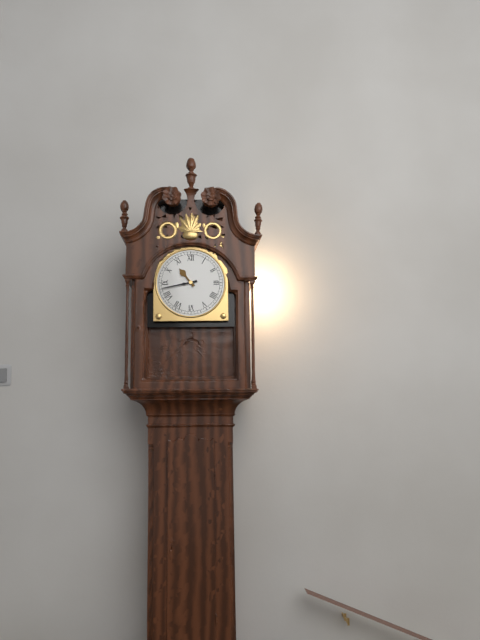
10 h 43 min
